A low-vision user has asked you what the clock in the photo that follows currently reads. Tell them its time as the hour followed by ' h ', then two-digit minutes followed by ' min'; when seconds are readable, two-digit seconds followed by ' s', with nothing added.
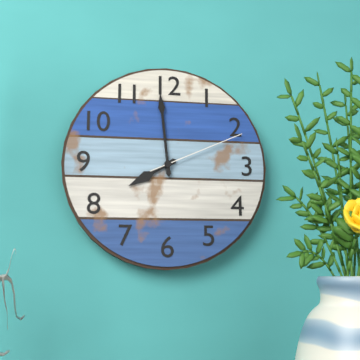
7 h 59 min 11 s
